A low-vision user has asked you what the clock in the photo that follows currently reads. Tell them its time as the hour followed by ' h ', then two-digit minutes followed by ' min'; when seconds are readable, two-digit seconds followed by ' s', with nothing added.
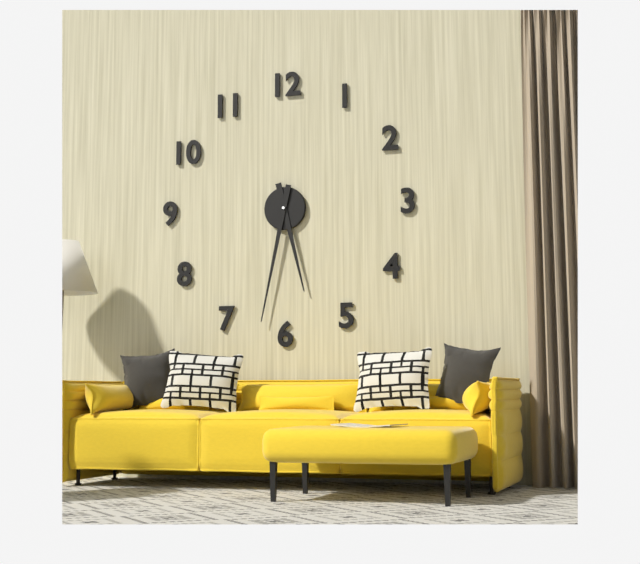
5 h 32 min
